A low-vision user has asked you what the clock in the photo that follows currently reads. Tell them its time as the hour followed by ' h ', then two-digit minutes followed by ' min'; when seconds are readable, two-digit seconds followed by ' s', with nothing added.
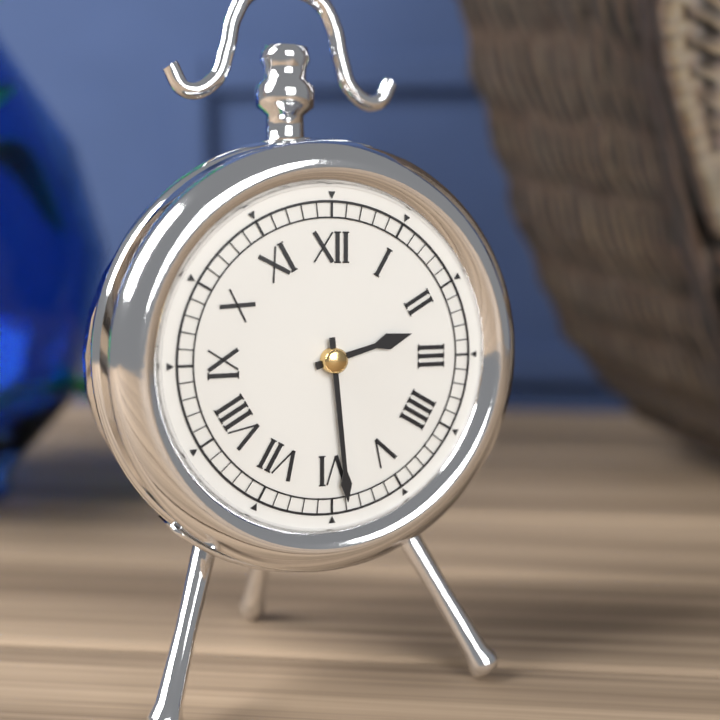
2 h 29 min
